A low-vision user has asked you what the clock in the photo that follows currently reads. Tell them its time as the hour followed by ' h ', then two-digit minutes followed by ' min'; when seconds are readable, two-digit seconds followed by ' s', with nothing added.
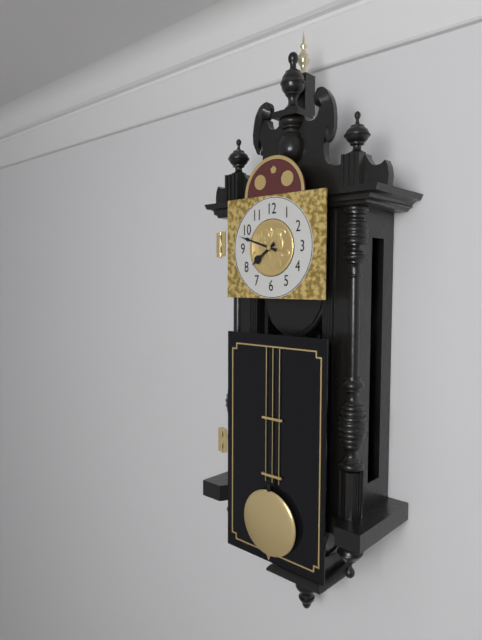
7 h 48 min
